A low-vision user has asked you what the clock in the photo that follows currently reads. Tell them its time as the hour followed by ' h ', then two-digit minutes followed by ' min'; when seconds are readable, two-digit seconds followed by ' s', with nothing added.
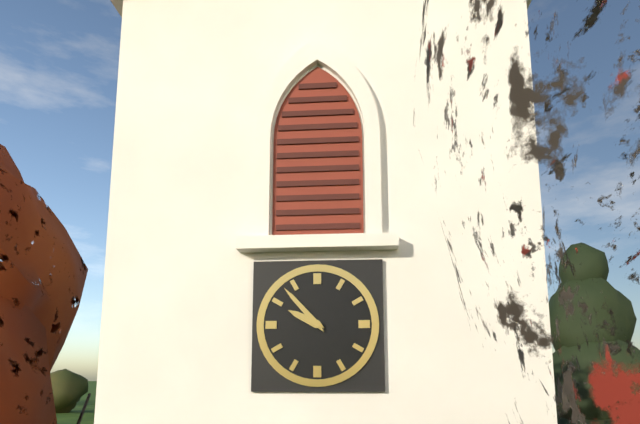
9 h 53 min
